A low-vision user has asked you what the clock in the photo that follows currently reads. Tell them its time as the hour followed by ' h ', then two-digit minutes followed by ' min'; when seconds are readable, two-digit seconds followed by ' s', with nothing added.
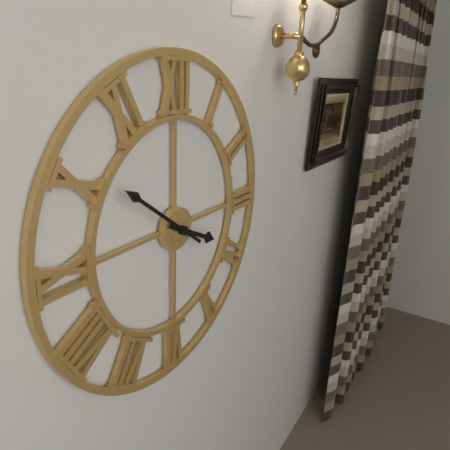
3 h 51 min
